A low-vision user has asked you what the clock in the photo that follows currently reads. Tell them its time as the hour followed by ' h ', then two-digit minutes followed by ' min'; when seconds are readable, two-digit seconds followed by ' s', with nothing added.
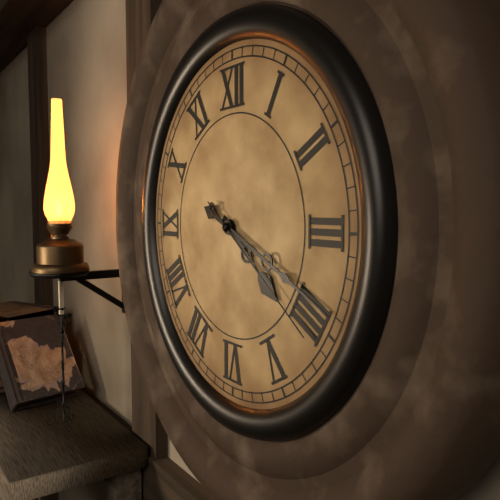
4 h 19 min 21 s
